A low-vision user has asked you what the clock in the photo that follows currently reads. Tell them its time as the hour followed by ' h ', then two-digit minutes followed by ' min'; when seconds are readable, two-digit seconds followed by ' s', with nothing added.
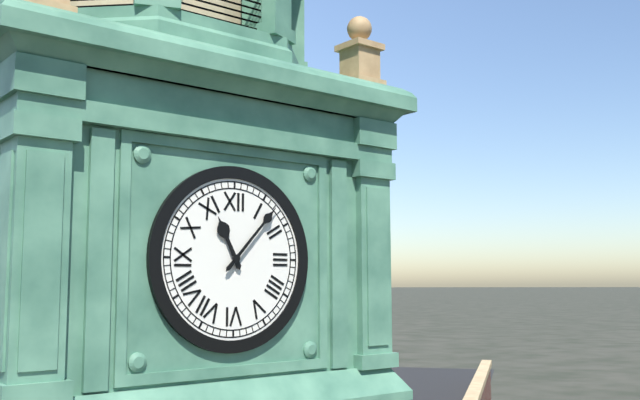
11 h 07 min
